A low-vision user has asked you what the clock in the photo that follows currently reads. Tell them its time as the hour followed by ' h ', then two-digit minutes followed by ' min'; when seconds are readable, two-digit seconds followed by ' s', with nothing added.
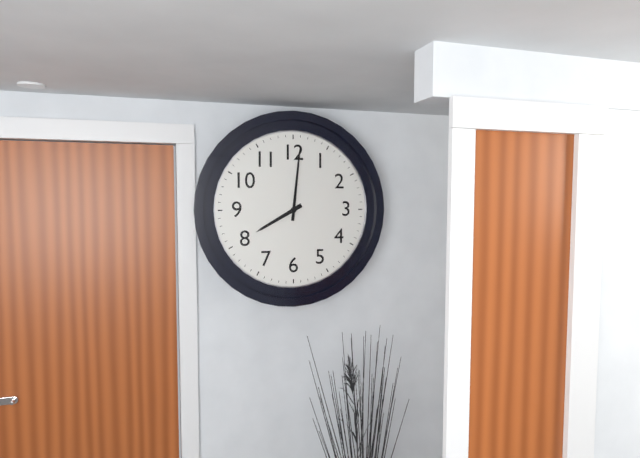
8 h 01 min
